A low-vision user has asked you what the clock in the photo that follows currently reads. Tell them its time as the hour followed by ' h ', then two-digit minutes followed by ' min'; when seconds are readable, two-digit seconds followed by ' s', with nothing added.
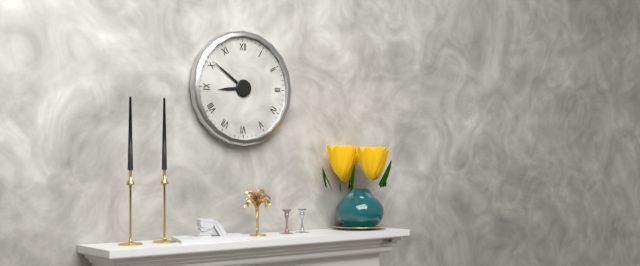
8 h 51 min
